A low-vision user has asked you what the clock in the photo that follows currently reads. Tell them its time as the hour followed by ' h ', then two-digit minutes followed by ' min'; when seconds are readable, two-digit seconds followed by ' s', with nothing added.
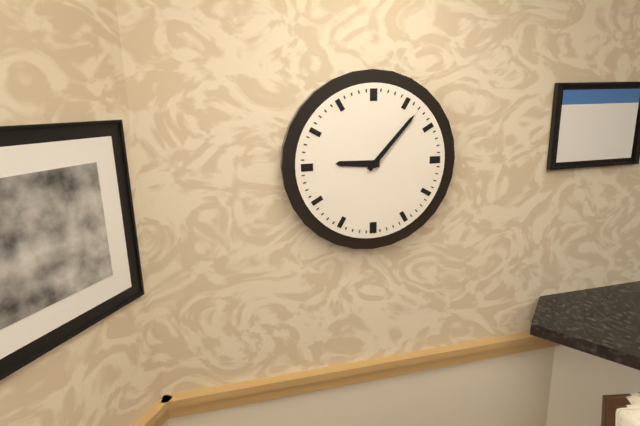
9 h 07 min
